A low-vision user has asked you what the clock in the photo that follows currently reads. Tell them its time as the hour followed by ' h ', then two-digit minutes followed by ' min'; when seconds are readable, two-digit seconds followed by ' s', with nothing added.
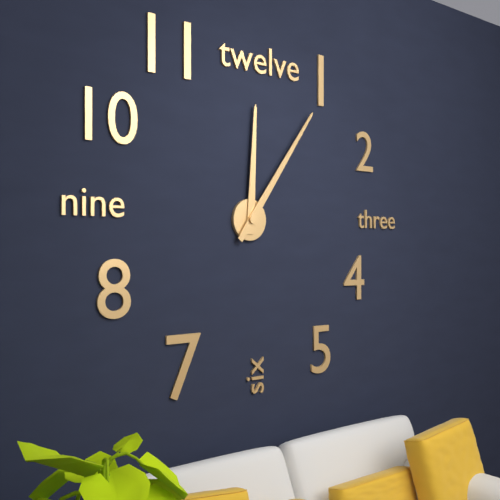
12 h 06 min
